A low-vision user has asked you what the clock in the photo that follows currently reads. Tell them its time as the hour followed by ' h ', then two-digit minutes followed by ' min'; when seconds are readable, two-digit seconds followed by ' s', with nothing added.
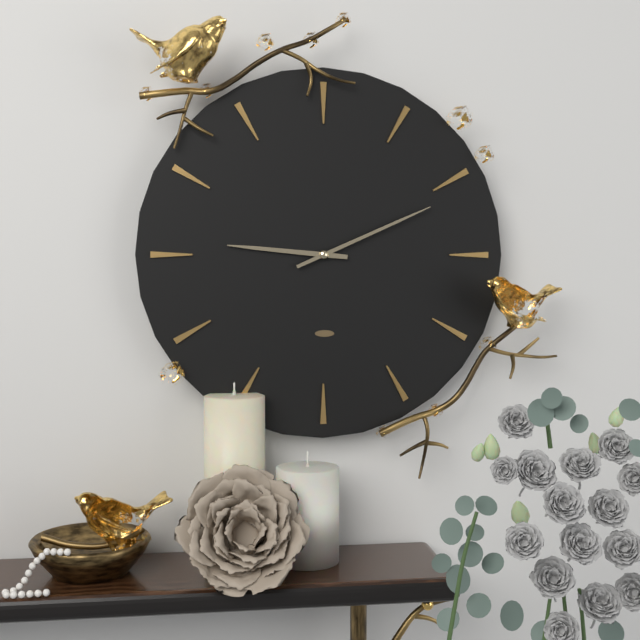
9 h 11 min
